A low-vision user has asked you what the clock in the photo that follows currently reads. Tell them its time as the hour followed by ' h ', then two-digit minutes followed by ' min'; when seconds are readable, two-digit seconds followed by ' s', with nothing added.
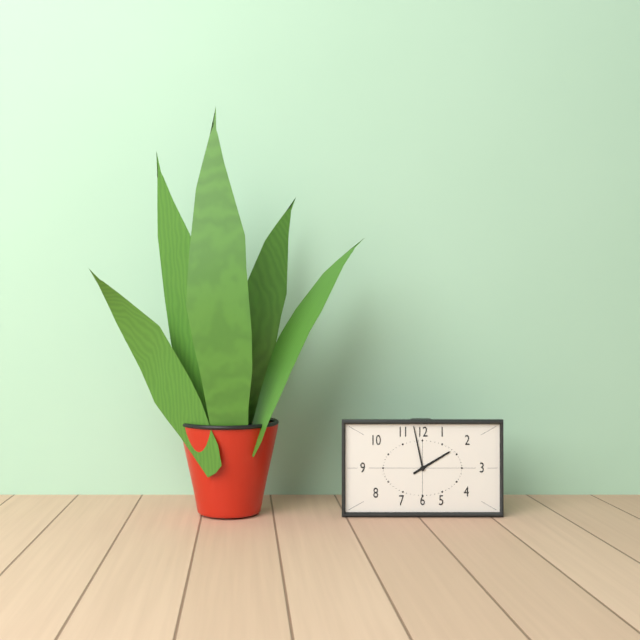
1 h 58 min
